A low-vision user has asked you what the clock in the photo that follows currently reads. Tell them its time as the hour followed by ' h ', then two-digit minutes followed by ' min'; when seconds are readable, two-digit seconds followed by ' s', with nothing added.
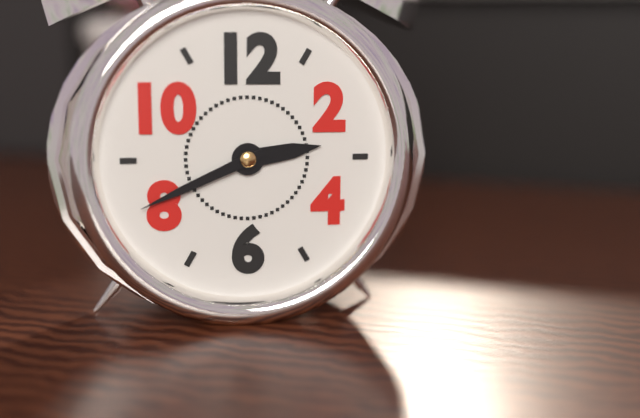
2 h 41 min
